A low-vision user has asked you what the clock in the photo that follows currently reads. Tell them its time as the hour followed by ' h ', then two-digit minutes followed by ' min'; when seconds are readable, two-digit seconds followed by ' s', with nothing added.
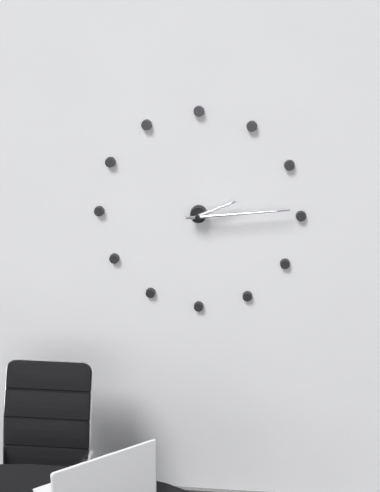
2 h 14 min
